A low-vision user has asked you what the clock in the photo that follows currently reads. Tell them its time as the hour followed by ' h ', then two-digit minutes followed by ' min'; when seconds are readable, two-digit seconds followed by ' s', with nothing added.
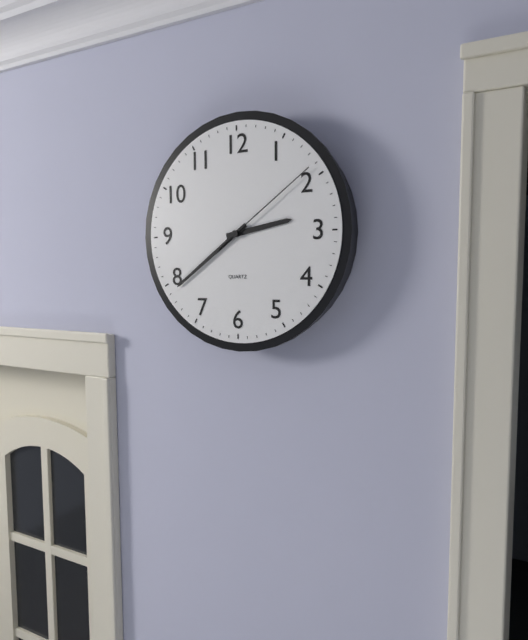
2 h 39 min 09 s
